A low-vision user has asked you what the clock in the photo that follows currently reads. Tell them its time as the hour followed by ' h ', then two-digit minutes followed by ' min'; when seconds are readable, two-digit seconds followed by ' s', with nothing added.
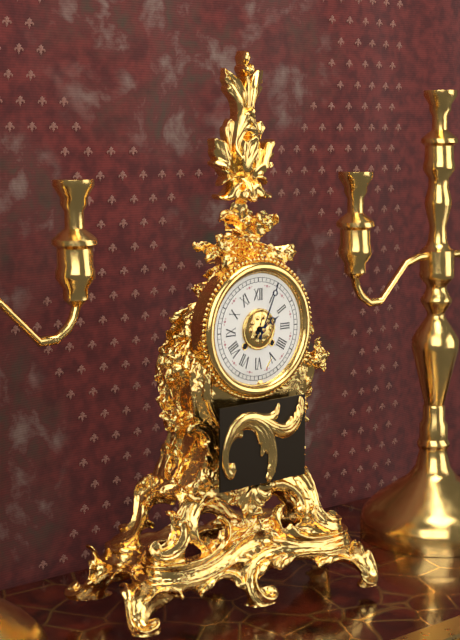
2 h 04 min
